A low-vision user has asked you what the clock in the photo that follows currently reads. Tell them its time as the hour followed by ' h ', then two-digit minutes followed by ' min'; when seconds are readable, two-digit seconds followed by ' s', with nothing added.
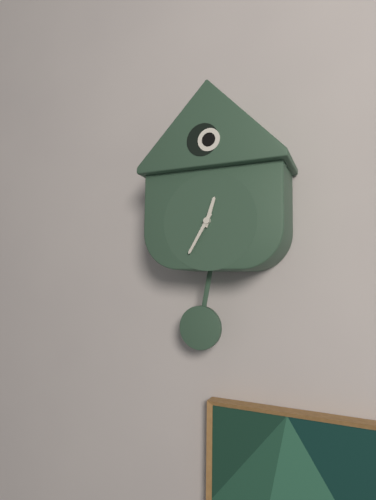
12 h 35 min
